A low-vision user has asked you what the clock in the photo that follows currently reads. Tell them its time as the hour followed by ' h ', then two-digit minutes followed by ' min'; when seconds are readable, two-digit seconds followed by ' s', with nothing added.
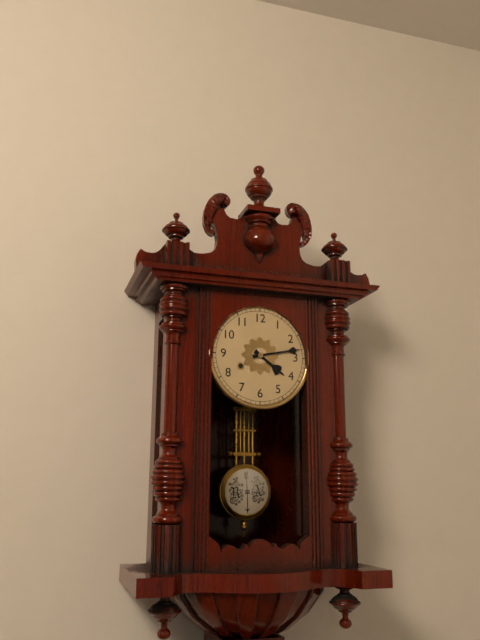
4 h 13 min
